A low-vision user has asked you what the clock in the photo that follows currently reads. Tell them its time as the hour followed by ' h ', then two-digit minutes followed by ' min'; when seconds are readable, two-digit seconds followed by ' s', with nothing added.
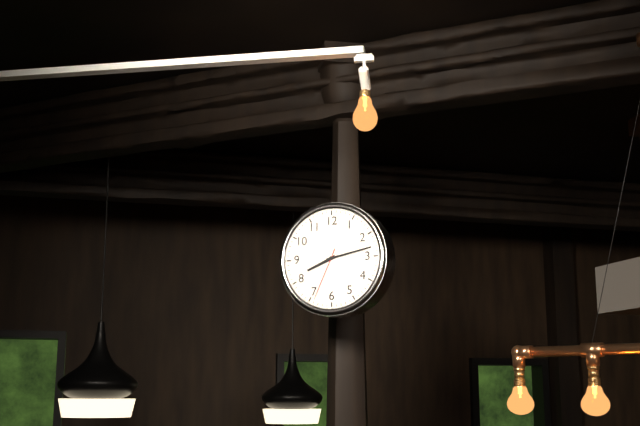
8 h 13 min 34 s
